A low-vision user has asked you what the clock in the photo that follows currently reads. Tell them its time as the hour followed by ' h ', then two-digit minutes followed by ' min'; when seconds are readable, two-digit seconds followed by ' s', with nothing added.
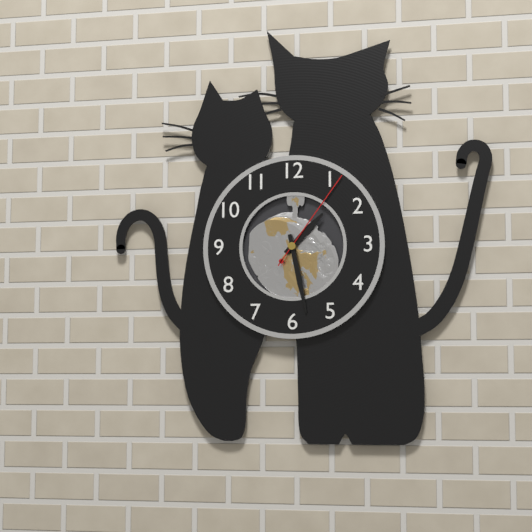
1 h 28 min 06 s
